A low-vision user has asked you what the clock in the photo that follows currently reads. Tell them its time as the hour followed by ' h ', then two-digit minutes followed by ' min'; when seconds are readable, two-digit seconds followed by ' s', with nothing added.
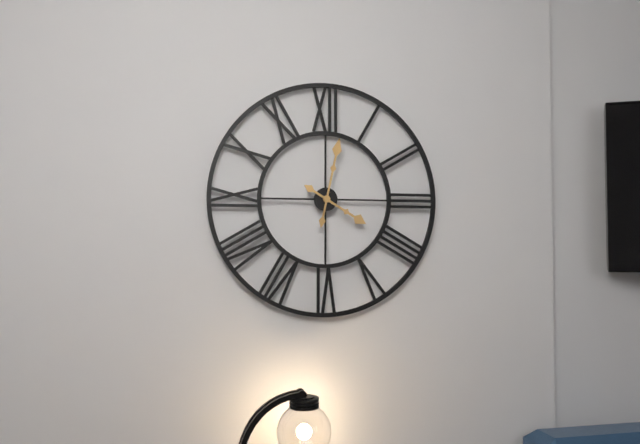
4 h 02 min
